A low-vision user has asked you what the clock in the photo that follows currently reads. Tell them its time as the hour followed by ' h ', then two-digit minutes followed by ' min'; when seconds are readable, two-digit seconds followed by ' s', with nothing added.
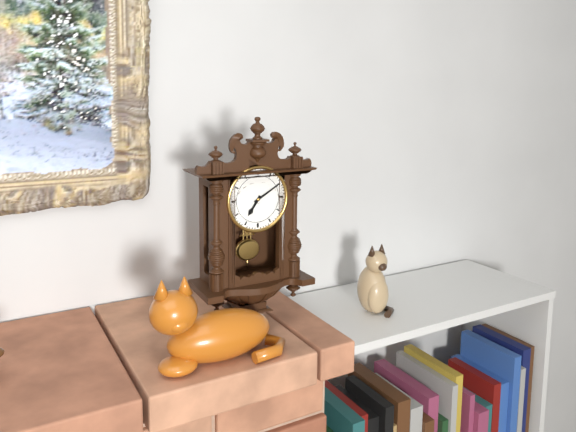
7 h 10 min
